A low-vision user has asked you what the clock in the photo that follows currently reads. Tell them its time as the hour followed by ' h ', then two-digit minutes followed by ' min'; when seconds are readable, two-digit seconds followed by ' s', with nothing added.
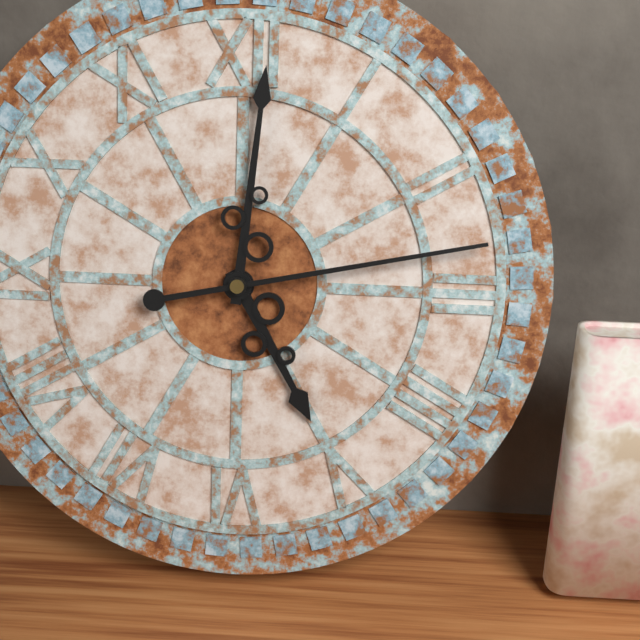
5 h 01 min 13 s
